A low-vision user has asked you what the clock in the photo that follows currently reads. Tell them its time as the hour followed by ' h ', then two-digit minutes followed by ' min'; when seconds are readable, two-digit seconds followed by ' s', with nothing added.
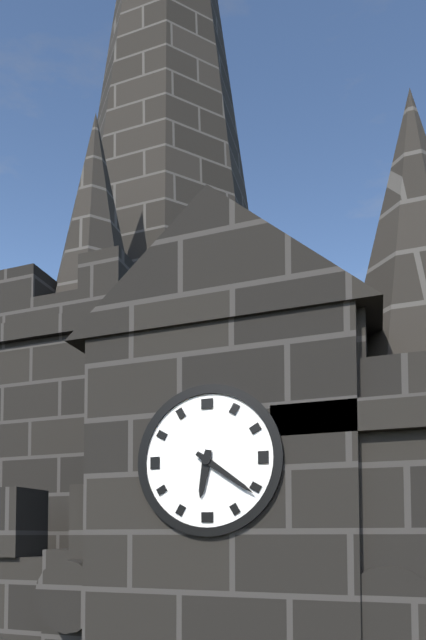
6 h 21 min
